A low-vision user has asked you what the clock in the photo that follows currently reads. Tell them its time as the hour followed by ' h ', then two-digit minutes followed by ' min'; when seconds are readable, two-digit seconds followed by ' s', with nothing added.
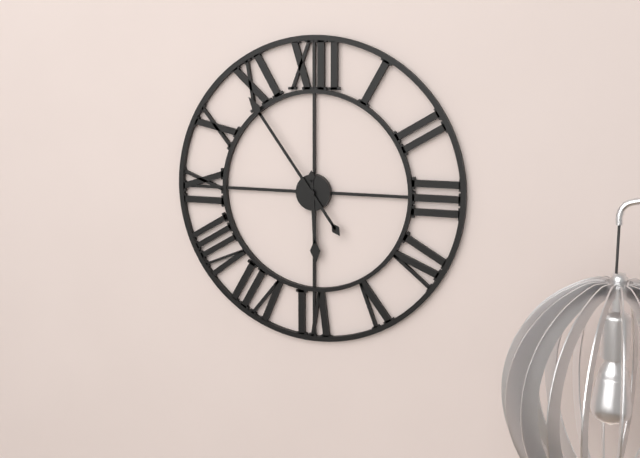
5 h 54 min
